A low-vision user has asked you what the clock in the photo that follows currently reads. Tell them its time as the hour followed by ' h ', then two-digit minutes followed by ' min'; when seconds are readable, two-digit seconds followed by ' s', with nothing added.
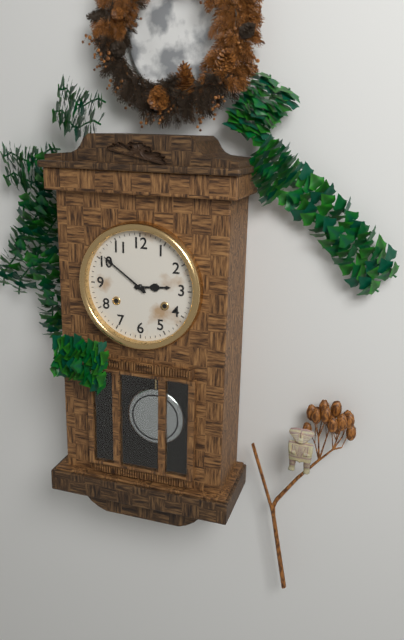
2 h 51 min
